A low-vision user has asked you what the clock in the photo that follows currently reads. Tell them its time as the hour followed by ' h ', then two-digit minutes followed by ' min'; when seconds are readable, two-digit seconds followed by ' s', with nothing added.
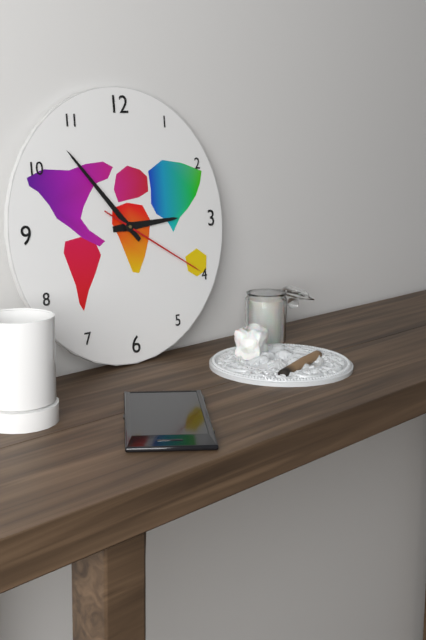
2 h 53 min 20 s
